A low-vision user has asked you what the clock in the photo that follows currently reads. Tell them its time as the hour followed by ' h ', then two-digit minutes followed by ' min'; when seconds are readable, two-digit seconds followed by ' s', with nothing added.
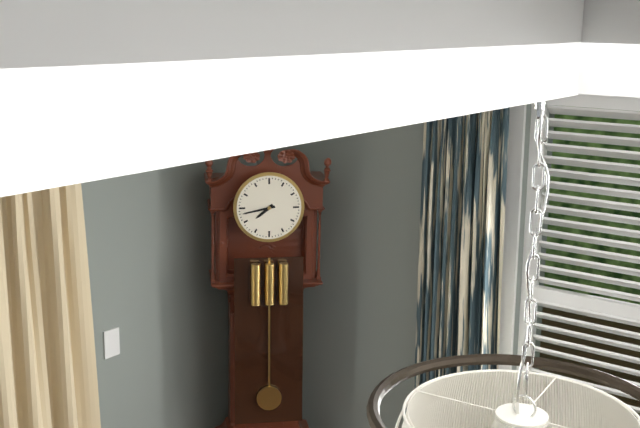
7 h 43 min
